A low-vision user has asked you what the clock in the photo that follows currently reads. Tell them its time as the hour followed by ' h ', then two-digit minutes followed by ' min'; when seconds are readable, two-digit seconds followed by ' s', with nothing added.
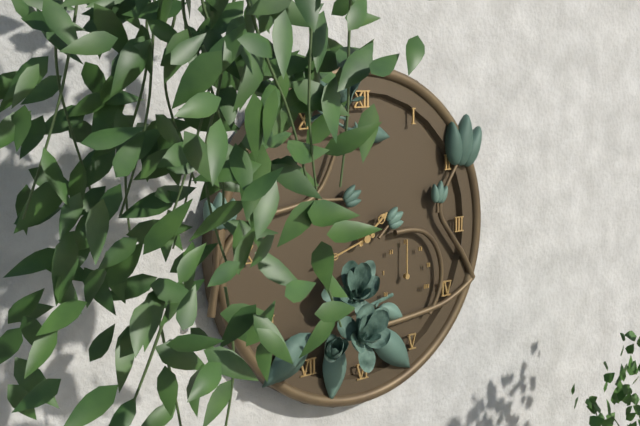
1 h 42 min
